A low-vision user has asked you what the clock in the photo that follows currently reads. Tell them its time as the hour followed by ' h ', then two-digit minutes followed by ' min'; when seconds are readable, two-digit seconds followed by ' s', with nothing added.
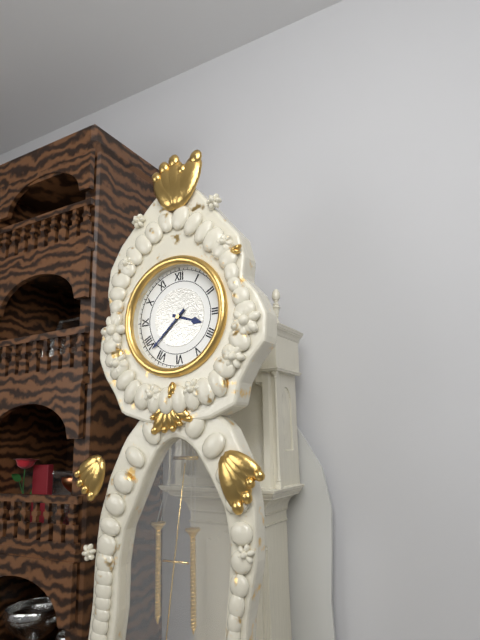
3 h 38 min
